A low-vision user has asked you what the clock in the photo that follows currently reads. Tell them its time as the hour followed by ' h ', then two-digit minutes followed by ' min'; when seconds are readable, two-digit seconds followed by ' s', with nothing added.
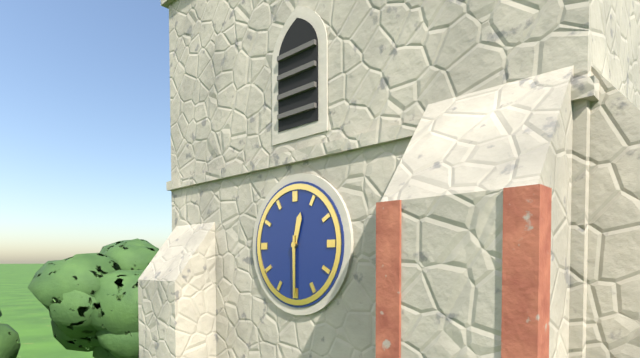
12 h 30 min
